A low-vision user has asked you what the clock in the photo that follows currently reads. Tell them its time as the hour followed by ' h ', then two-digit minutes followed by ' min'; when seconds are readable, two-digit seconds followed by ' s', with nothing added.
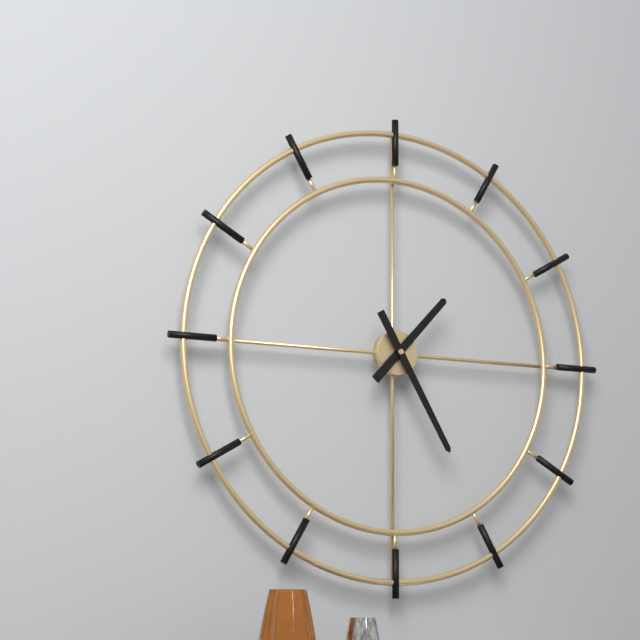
1 h 25 min
